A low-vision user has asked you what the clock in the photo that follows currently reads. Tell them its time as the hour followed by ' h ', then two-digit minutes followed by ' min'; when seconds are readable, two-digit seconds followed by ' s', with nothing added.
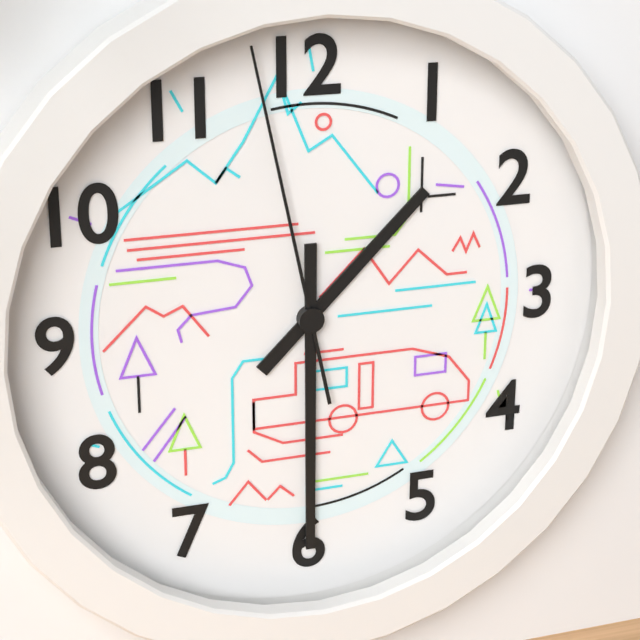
1 h 30 min 58 s
